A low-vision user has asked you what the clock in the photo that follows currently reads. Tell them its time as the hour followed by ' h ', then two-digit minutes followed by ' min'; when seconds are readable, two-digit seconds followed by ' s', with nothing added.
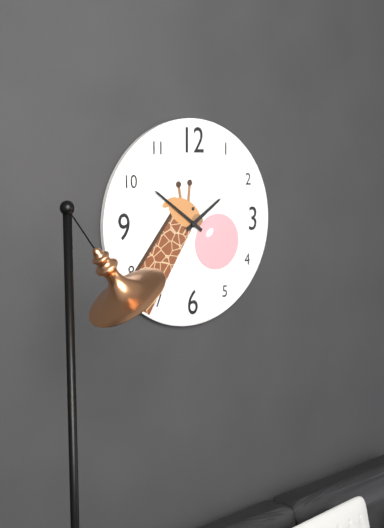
1 h 51 min
